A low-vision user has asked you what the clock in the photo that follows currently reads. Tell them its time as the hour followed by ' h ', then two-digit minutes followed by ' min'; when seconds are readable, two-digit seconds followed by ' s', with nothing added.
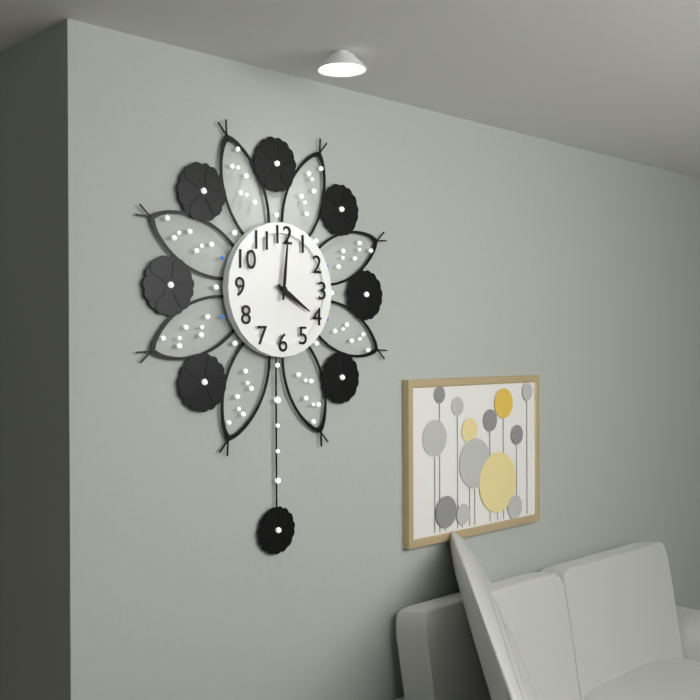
4 h 01 min
